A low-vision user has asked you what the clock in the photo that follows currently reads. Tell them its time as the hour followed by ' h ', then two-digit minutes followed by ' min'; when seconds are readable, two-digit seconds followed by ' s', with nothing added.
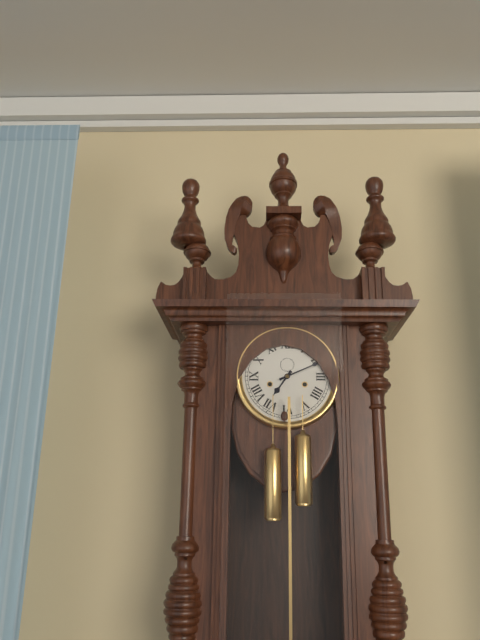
7 h 11 min
